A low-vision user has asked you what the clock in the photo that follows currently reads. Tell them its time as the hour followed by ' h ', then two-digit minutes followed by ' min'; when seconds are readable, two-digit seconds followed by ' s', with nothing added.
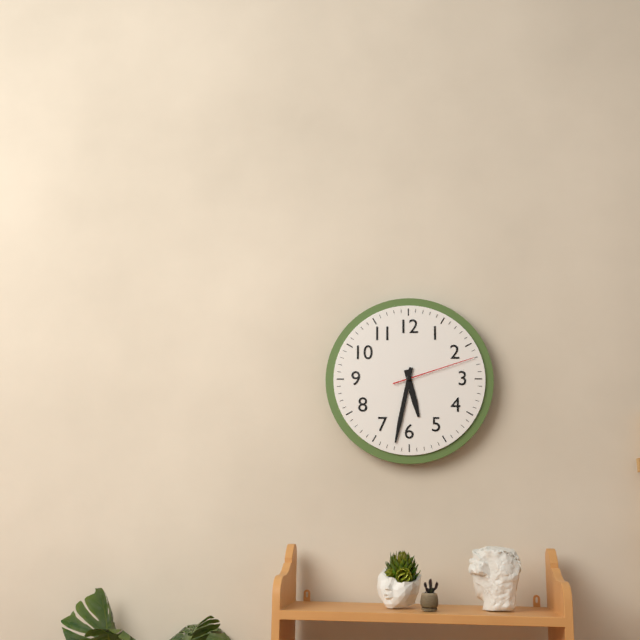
5 h 32 min 12 s
